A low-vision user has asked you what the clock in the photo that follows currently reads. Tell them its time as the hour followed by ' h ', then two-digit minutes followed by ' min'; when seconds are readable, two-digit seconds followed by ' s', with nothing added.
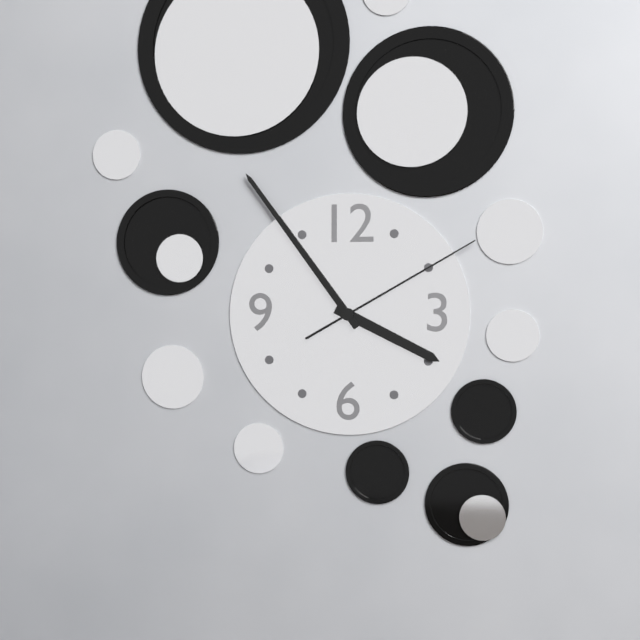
3 h 54 min 10 s
